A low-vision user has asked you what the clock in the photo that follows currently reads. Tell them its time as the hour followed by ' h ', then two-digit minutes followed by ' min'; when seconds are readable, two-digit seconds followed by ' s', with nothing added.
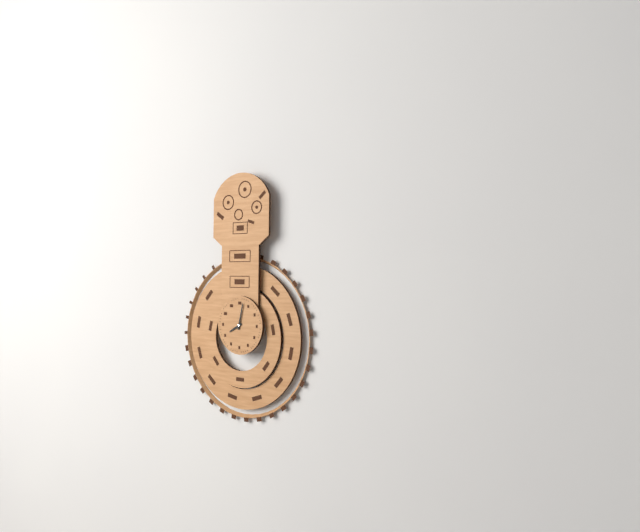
8 h 02 min
